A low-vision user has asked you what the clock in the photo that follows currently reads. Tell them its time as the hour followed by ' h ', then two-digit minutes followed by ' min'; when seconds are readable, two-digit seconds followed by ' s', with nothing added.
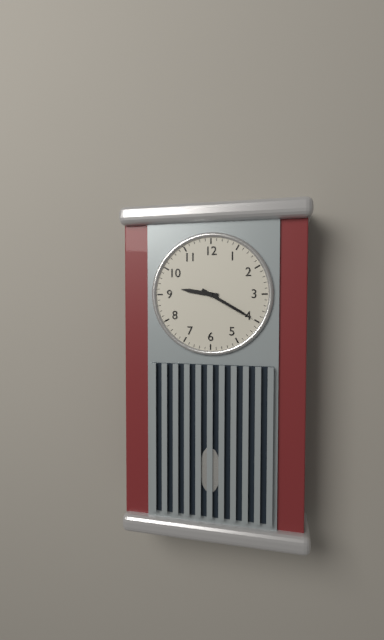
9 h 20 min
